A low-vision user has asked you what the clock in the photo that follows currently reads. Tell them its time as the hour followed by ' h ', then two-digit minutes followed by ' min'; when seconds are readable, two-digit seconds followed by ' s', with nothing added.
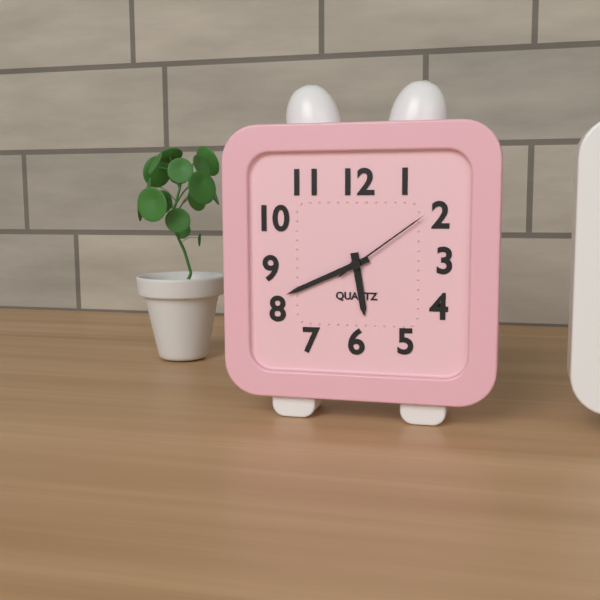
5 h 41 min 09 s
